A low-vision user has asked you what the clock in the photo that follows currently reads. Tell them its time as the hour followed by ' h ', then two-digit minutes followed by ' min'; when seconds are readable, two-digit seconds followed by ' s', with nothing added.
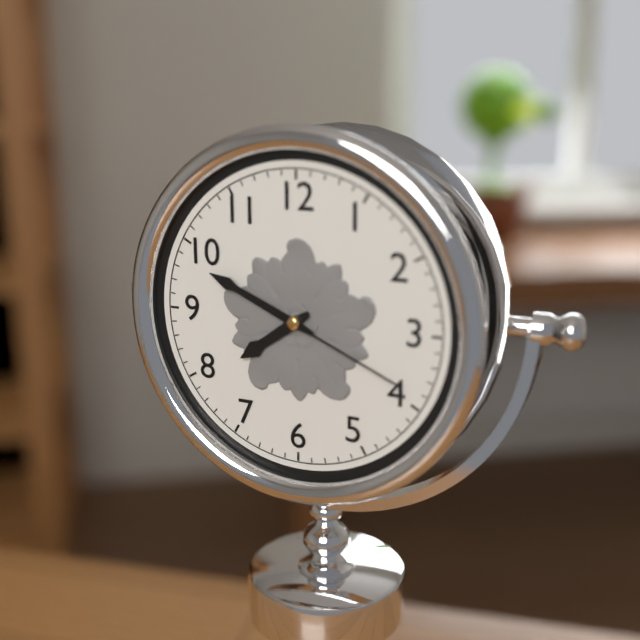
7 h 49 min 19 s
